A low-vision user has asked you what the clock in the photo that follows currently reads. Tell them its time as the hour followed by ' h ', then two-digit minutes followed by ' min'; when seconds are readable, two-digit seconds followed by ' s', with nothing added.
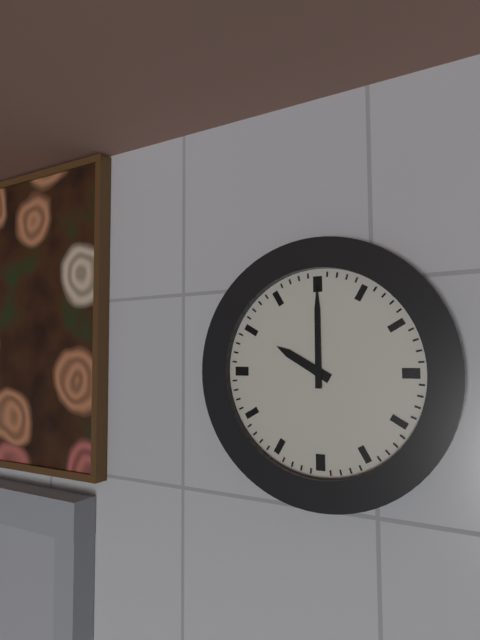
10 h 00 min
